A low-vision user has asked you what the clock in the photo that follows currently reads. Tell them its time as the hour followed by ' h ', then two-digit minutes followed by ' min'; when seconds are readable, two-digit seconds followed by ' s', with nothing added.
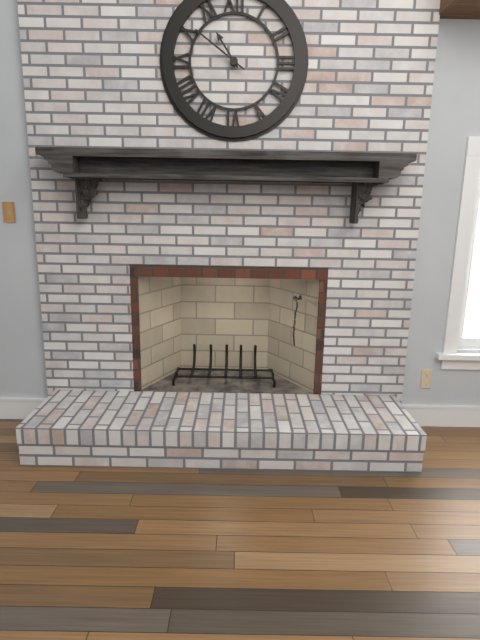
10 h 51 min
